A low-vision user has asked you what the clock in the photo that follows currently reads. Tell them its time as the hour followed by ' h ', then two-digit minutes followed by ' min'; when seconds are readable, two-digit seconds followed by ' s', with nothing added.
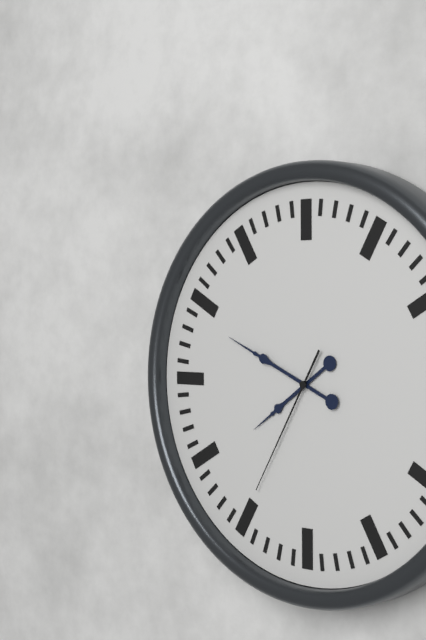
7 h 49 min 35 s
